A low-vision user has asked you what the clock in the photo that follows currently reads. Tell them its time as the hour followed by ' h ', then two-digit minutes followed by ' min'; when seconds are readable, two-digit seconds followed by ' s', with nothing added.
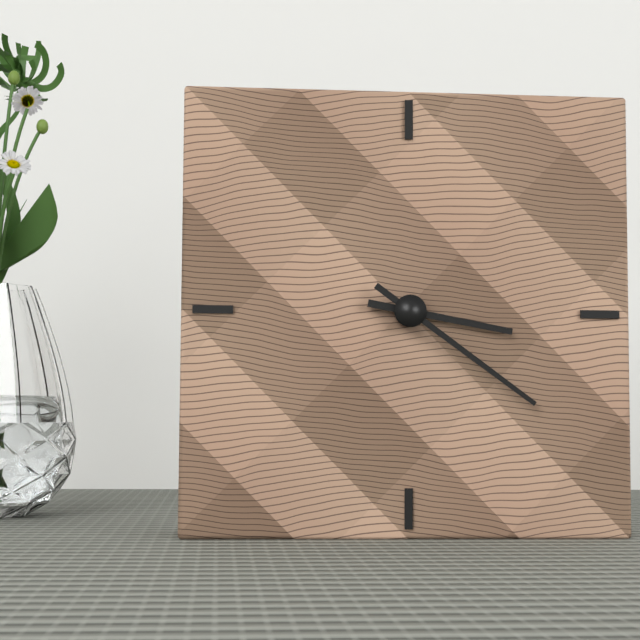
3 h 21 min
